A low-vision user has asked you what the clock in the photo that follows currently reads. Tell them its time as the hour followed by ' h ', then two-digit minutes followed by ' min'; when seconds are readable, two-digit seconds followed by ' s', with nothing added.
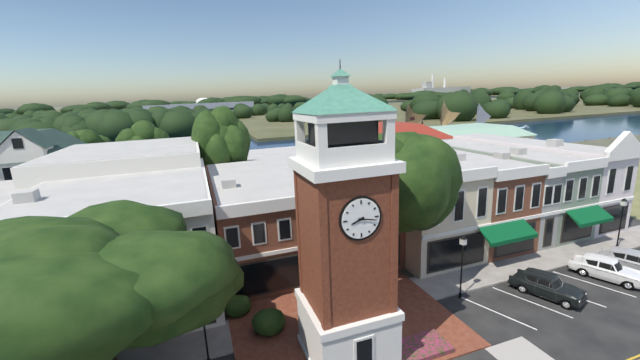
8 h 17 min
